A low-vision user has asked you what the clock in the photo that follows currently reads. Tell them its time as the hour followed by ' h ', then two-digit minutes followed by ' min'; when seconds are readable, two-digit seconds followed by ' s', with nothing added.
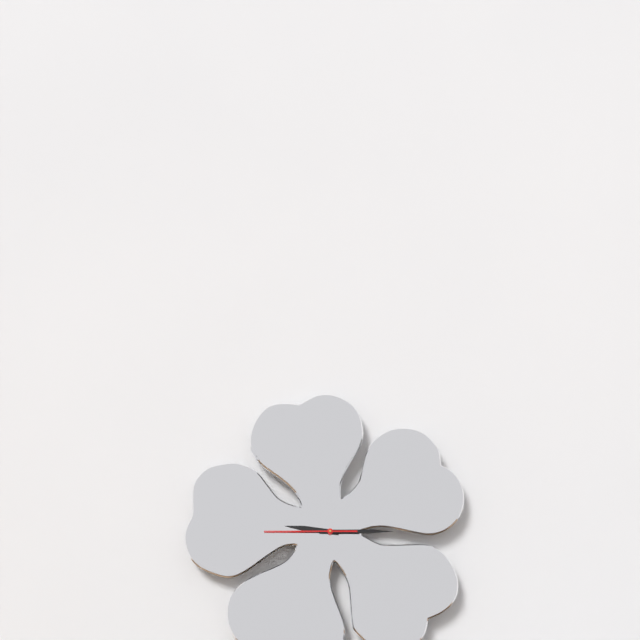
9 h 15 min 45 s
